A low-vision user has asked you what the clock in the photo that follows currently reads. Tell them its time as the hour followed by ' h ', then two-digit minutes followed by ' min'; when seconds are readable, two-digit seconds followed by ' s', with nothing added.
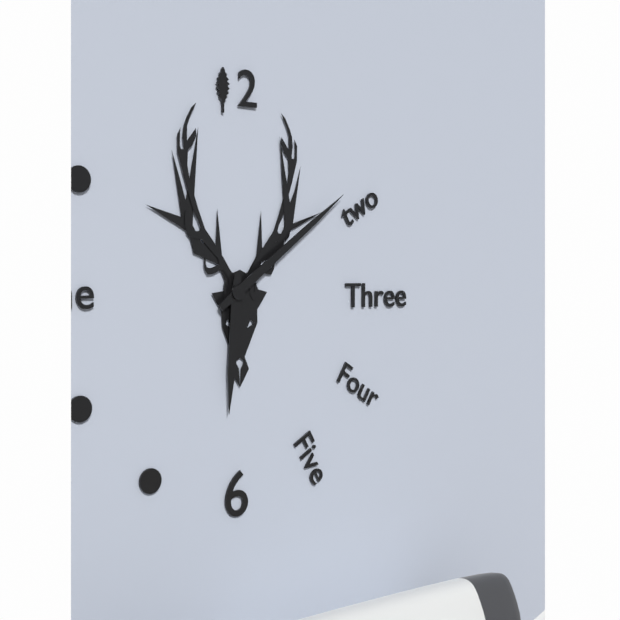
6 h 09 min
